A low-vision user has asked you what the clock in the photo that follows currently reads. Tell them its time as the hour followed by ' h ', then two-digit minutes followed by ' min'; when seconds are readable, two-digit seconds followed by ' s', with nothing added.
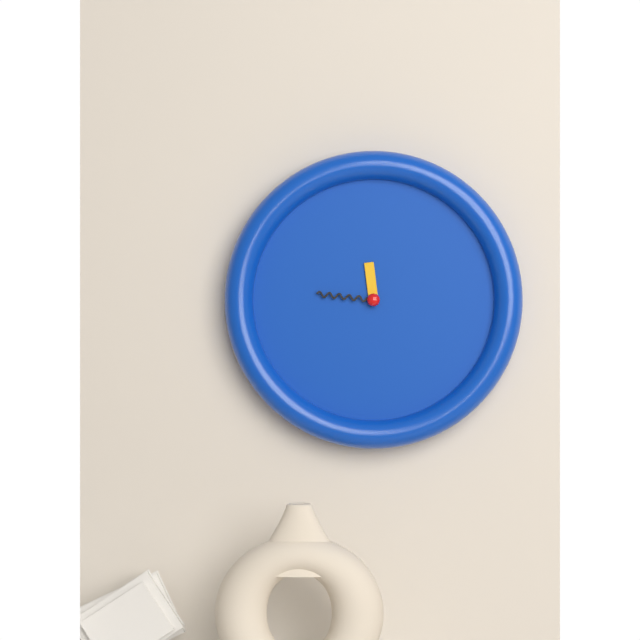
11 h 46 min
